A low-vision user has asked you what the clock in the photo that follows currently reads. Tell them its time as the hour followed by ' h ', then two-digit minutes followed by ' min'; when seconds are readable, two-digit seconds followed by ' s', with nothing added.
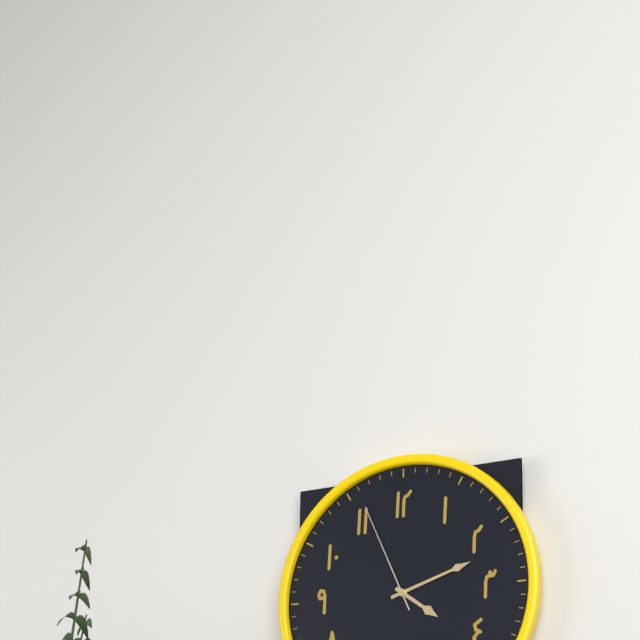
4 h 12 min 56 s
